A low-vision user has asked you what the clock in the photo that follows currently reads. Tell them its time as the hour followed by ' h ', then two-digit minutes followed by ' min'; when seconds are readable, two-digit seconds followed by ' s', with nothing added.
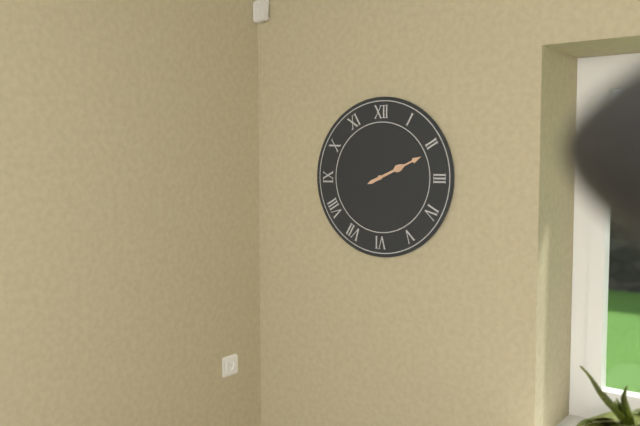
2 h 11 min
